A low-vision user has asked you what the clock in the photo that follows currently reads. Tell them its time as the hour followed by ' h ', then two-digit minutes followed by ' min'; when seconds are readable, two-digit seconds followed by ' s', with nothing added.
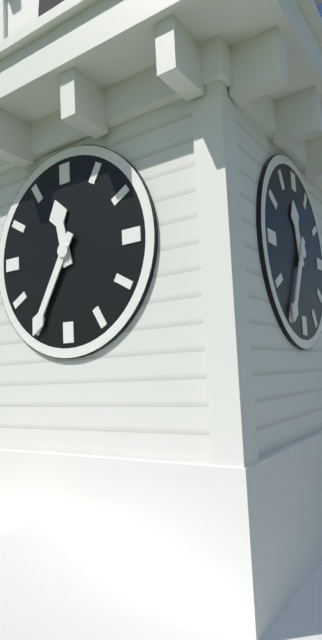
11 h 35 min
